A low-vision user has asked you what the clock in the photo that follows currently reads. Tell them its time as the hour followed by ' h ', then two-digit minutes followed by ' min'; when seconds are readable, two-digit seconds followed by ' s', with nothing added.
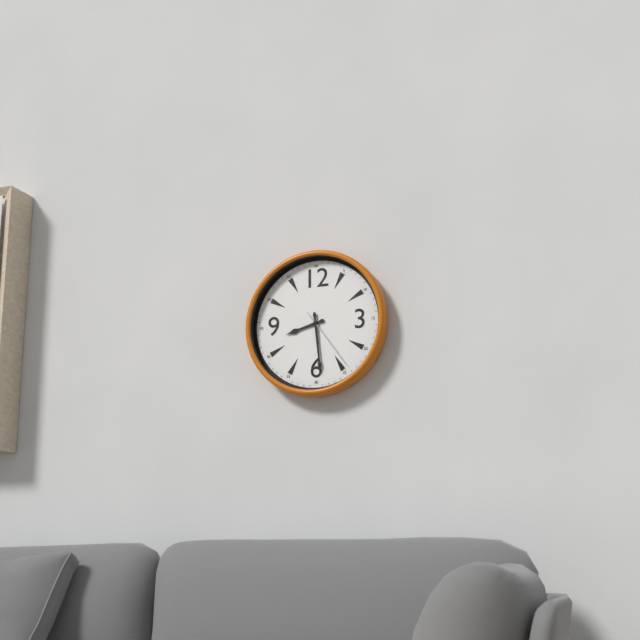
8 h 29 min 24 s
